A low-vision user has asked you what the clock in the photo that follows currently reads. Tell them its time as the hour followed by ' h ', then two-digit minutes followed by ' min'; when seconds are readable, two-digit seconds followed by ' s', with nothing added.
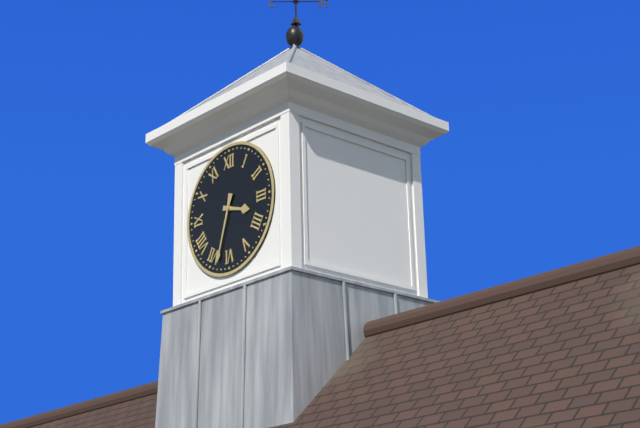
3 h 33 min
